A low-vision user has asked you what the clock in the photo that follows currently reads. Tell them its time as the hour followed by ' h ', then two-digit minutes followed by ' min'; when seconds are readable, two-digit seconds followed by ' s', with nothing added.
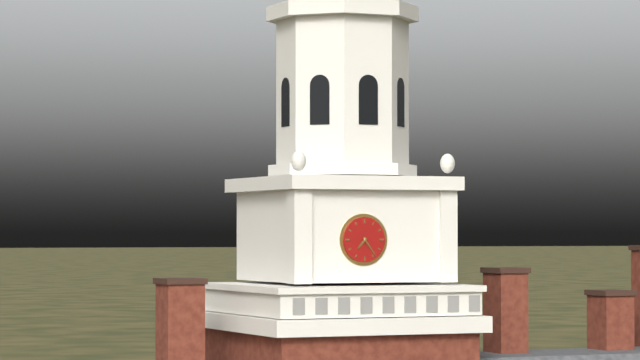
7 h 24 min
